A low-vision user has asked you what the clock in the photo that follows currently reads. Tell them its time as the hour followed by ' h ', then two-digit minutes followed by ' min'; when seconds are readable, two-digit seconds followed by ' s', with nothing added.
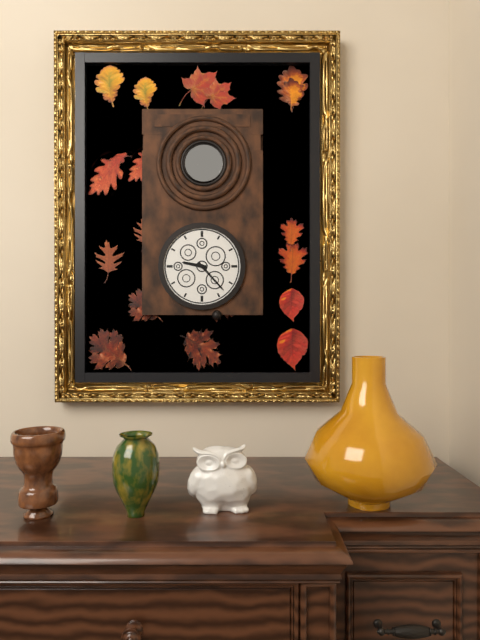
9 h 23 min
